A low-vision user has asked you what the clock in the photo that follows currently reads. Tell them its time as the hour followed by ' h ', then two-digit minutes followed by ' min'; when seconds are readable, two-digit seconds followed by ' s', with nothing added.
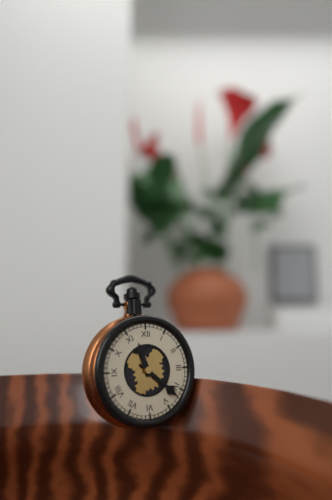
11 h 22 min
